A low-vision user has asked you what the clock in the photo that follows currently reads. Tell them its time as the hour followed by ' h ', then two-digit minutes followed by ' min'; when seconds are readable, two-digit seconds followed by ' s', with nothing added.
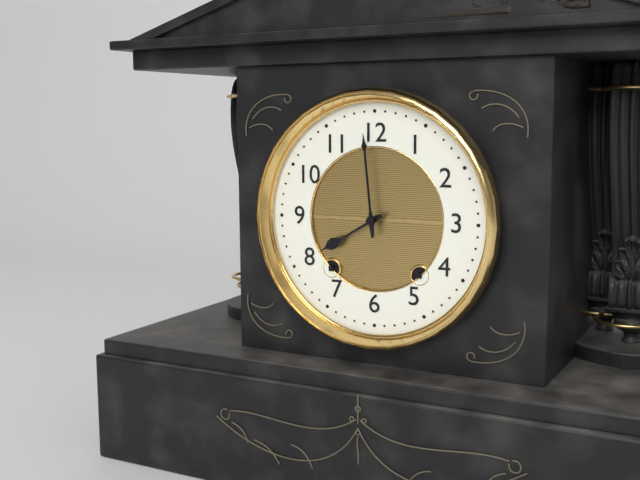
7 h 59 min
